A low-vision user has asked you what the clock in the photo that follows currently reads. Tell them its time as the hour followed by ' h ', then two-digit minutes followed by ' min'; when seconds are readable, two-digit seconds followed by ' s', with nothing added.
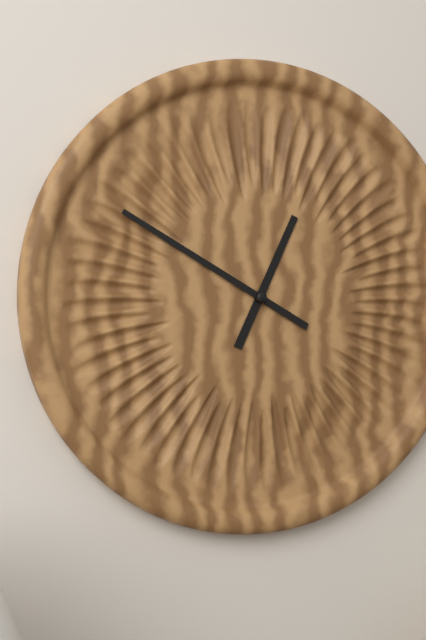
12 h 50 min
